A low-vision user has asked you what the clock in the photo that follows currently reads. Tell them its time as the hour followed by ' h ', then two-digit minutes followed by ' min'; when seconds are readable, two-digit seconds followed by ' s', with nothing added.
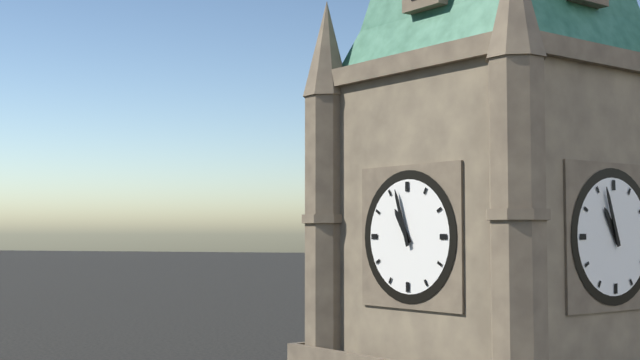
10 h 57 min
